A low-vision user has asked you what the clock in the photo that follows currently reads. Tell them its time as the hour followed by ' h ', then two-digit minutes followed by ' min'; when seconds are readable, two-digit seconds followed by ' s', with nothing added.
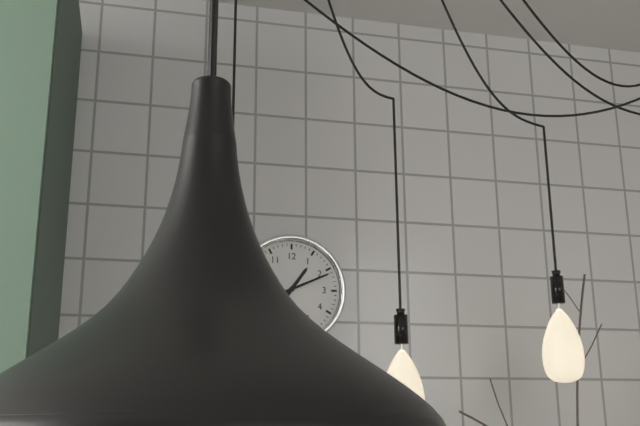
1 h 11 min
